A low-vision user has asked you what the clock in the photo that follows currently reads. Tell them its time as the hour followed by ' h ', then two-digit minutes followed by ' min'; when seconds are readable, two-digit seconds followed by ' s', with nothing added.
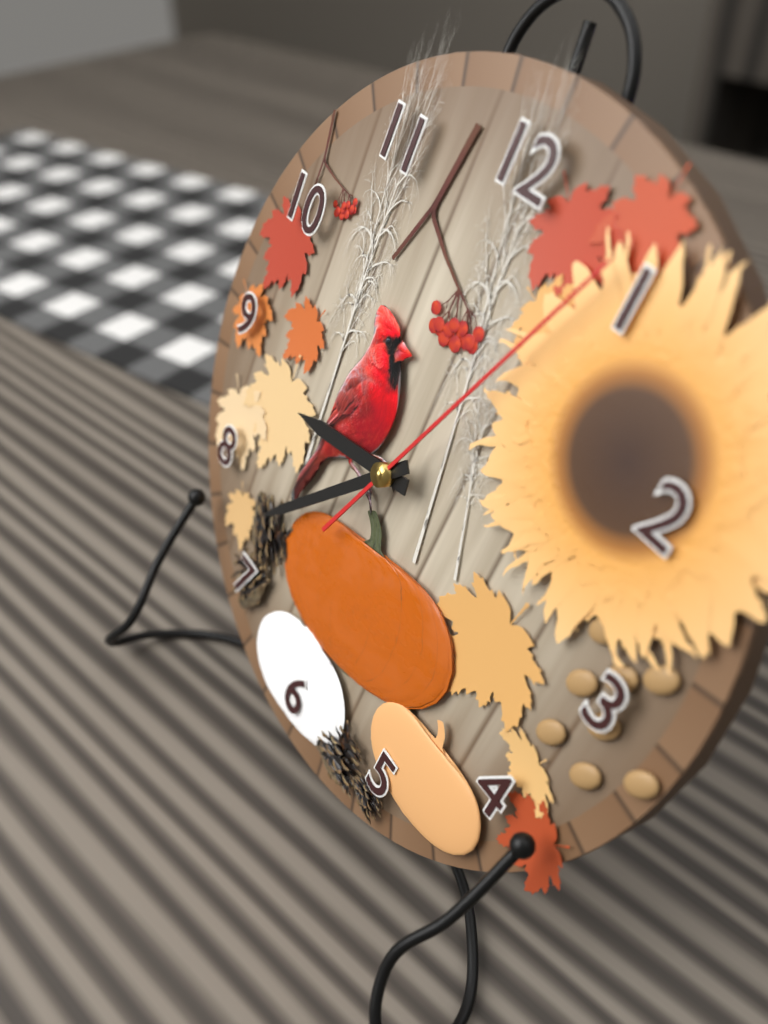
8 h 37 min 04 s
